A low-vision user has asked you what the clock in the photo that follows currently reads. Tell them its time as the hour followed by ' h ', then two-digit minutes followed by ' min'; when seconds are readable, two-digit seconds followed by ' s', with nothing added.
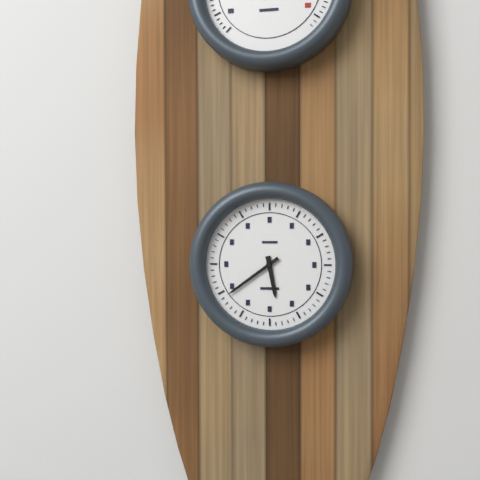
5 h 39 min
